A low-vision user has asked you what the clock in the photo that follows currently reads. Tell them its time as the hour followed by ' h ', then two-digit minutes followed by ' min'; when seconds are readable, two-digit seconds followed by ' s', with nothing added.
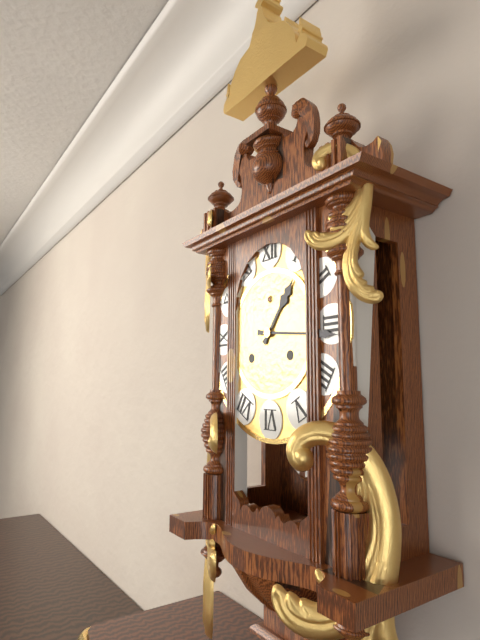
1 h 16 min
